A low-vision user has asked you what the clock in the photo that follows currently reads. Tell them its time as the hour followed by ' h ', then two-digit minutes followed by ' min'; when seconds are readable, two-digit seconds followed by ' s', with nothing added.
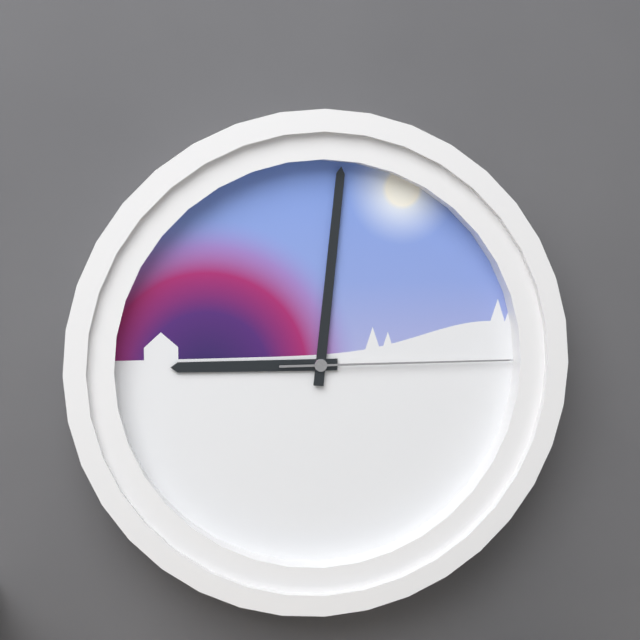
9 h 01 min 15 s
